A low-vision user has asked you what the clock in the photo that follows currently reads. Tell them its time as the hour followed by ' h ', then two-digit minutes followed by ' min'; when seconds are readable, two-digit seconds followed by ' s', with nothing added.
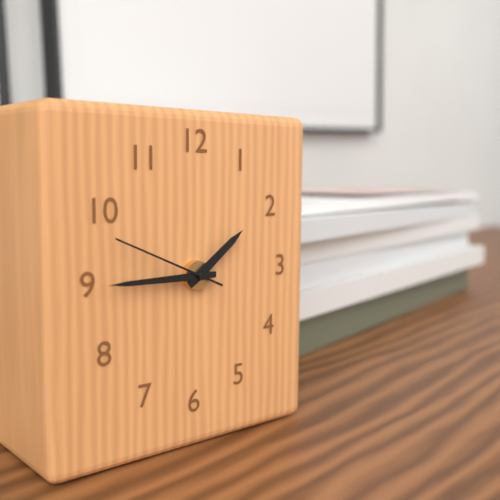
1 h 45 min 49 s
